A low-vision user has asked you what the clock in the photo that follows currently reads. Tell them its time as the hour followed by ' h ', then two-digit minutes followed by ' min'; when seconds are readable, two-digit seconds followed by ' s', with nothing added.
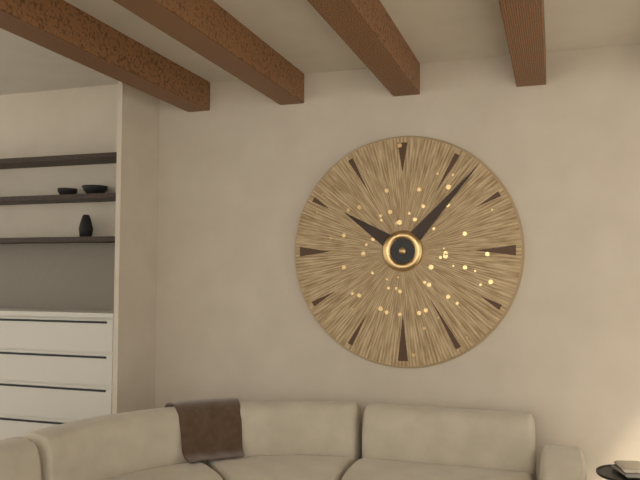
10 h 07 min
